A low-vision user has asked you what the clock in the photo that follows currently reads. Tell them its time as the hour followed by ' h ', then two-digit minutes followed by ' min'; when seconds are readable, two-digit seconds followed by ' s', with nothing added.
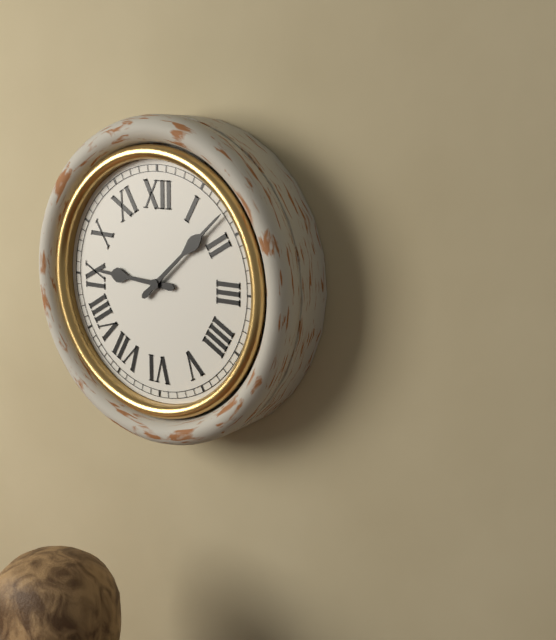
9 h 08 min
